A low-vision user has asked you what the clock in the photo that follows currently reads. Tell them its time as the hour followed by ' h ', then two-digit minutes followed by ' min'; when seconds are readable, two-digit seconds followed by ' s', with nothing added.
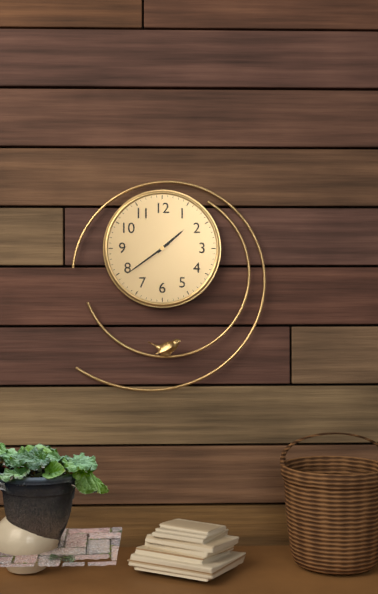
1 h 39 min
